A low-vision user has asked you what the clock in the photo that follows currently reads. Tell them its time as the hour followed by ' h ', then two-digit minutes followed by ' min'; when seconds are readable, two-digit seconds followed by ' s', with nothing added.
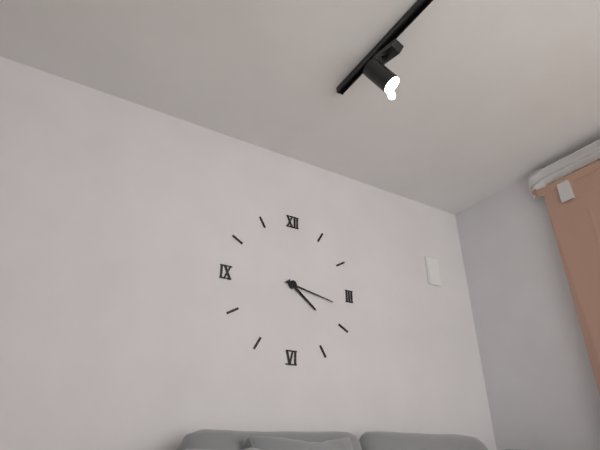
4 h 17 min
